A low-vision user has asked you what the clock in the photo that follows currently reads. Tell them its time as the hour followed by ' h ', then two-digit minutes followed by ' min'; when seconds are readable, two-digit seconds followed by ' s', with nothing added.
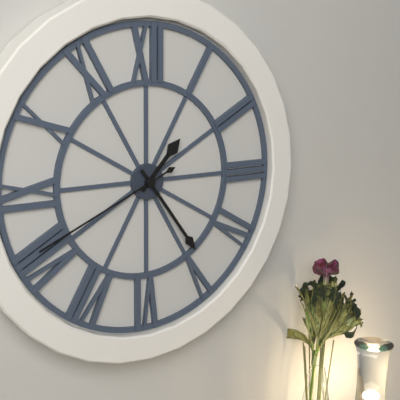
1 h 24 min 41 s
